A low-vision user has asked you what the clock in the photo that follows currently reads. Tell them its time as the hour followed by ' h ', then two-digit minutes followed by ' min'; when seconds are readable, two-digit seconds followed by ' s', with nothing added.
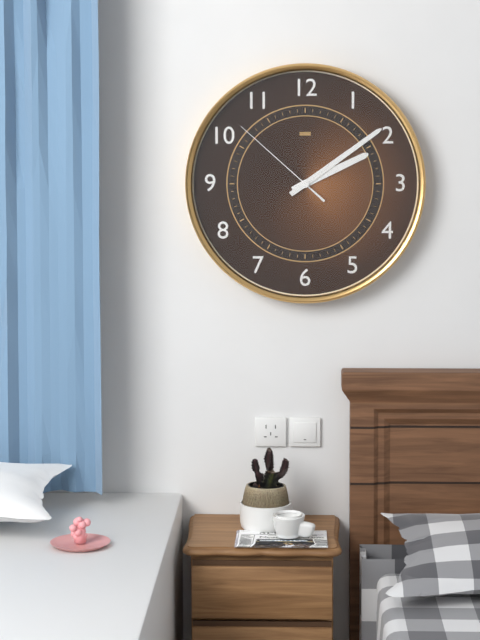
2 h 09 min 52 s
